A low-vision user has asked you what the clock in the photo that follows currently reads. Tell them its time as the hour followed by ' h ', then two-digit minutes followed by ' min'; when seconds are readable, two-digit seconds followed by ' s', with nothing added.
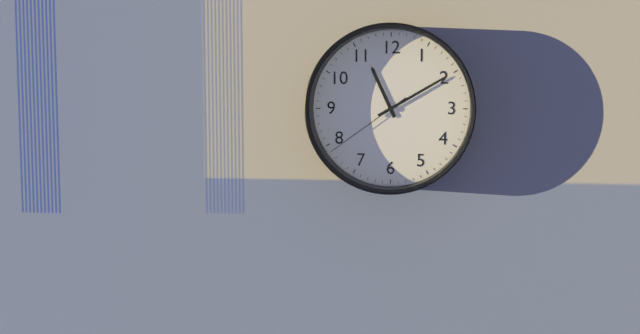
11 h 10 min 39 s
